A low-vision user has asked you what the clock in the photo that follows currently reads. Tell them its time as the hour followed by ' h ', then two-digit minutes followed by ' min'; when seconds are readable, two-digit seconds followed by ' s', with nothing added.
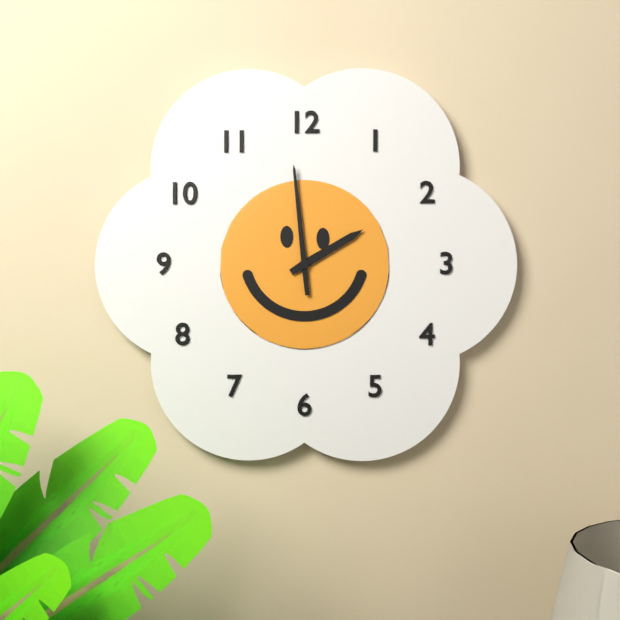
1 h 59 min
